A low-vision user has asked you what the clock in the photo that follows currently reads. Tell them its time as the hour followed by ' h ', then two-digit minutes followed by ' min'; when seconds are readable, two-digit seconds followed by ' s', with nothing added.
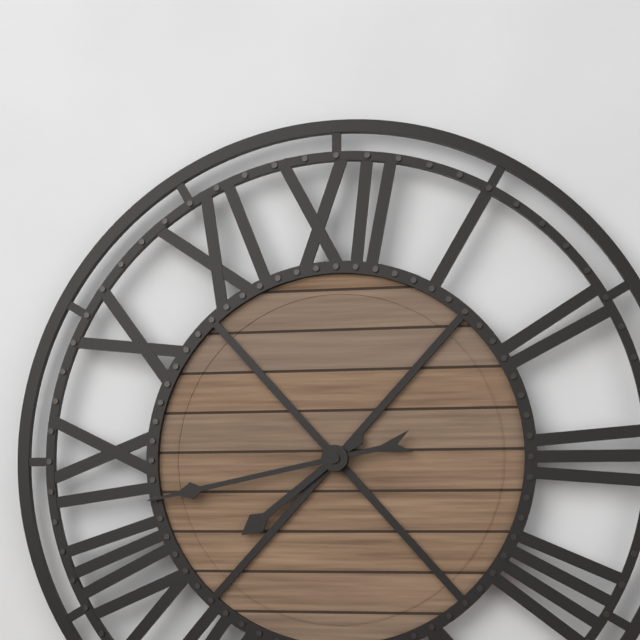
7 h 43 min
